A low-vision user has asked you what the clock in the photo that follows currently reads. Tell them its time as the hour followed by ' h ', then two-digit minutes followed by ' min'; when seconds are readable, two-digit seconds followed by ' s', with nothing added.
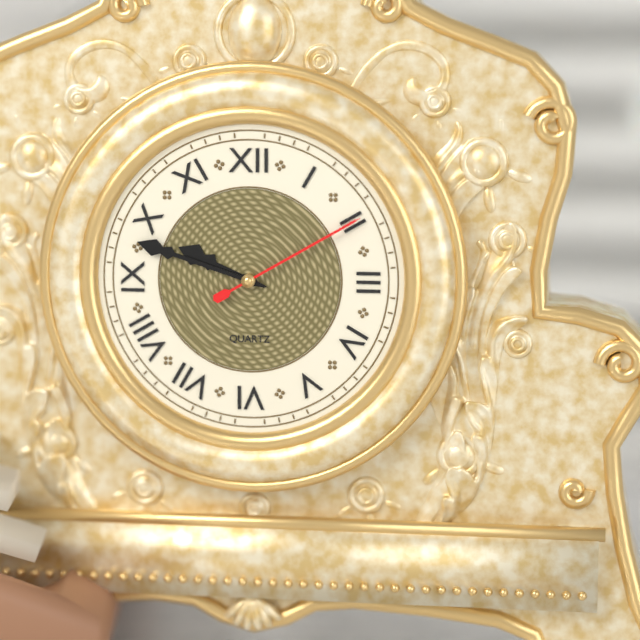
9 h 48 min 10 s
